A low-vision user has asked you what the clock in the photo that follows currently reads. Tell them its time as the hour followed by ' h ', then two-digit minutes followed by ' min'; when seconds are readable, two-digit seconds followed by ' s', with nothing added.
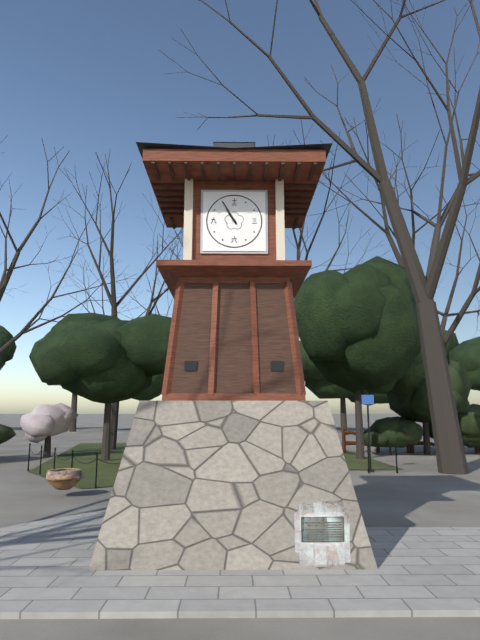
10 h 55 min
